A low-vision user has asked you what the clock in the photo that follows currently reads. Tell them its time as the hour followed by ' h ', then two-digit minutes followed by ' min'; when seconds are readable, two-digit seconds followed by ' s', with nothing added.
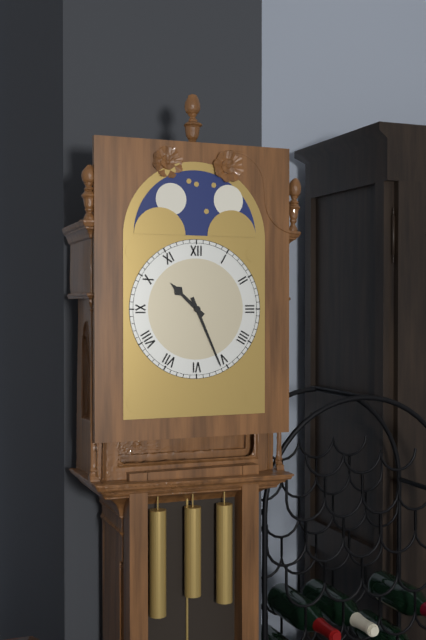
10 h 26 min
